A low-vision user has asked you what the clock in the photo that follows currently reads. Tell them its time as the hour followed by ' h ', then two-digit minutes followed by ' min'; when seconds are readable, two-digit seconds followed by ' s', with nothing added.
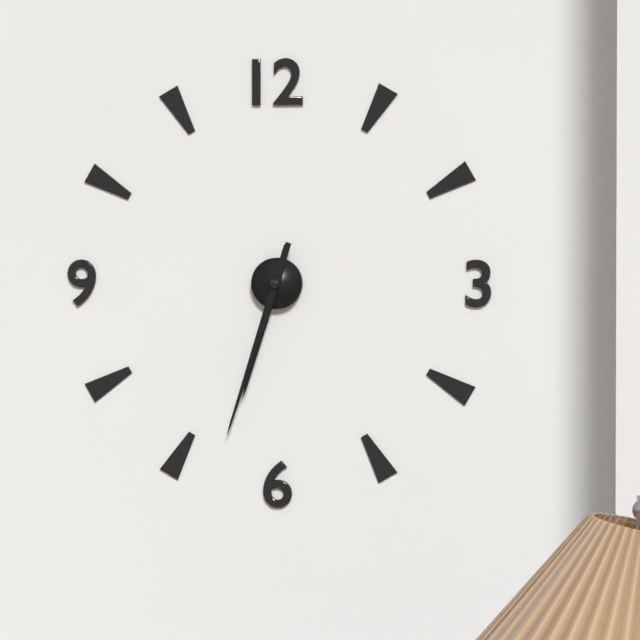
6 h 33 min
